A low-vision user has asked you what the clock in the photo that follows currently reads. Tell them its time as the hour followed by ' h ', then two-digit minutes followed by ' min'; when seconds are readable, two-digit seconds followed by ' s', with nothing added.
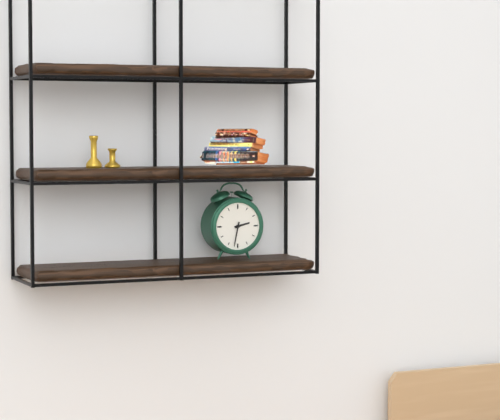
2 h 32 min
